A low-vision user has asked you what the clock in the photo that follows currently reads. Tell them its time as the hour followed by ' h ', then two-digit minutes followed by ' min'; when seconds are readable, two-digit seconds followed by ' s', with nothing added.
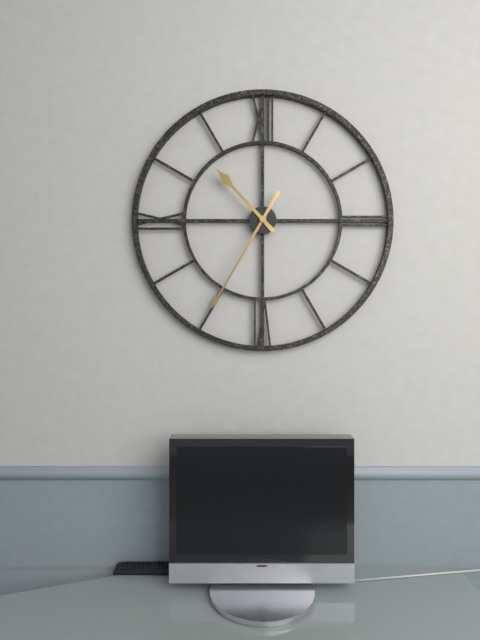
10 h 35 min
